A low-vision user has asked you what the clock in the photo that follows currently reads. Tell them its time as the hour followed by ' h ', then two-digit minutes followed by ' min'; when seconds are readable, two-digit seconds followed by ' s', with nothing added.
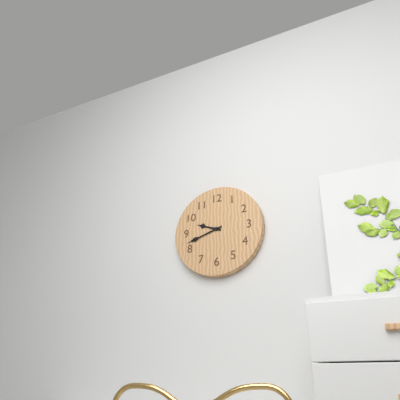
9 h 42 min
